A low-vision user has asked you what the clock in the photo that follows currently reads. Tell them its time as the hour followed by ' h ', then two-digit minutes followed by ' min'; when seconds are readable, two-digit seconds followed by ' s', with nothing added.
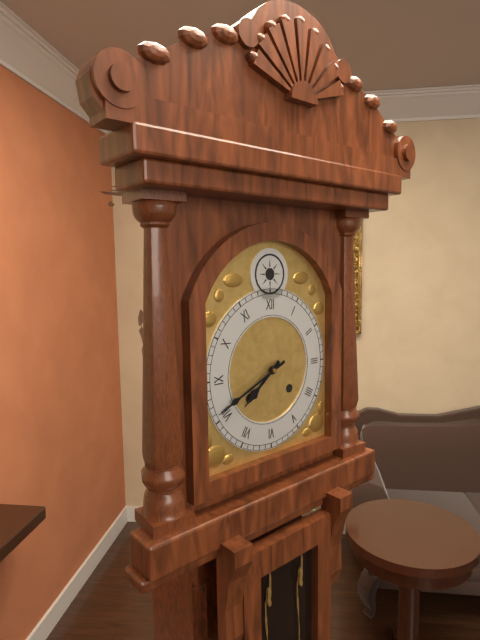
7 h 41 min
